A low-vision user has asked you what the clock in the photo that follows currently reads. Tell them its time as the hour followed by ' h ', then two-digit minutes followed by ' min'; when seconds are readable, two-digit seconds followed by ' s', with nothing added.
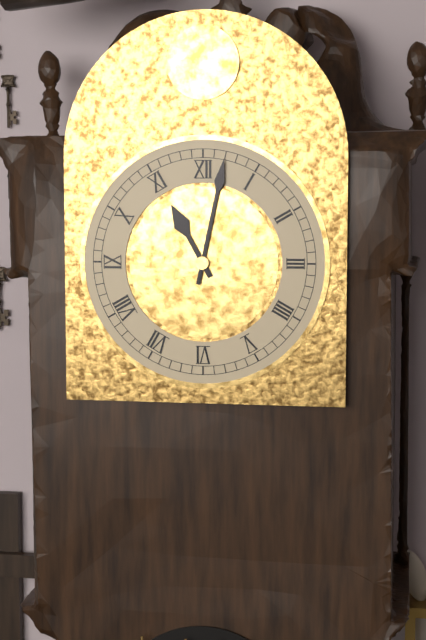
11 h 02 min
